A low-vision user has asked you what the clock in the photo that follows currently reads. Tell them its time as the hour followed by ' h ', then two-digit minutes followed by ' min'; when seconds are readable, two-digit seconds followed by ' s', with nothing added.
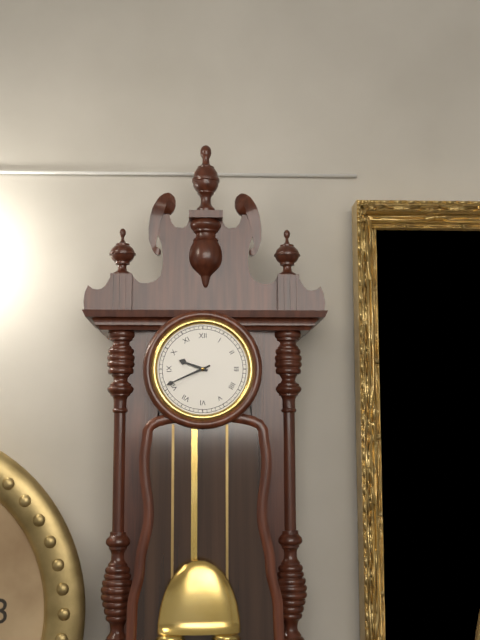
9 h 41 min
